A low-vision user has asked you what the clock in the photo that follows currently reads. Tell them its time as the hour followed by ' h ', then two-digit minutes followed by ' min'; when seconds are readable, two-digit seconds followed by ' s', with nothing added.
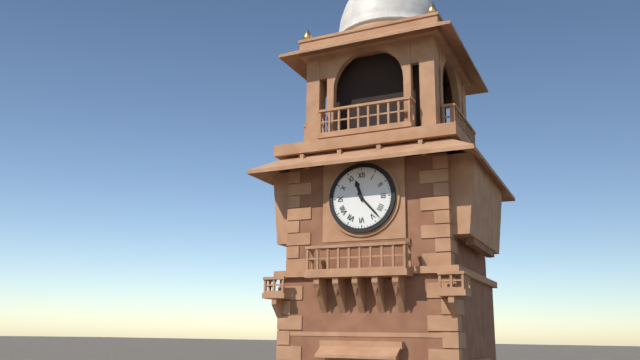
11 h 23 min
